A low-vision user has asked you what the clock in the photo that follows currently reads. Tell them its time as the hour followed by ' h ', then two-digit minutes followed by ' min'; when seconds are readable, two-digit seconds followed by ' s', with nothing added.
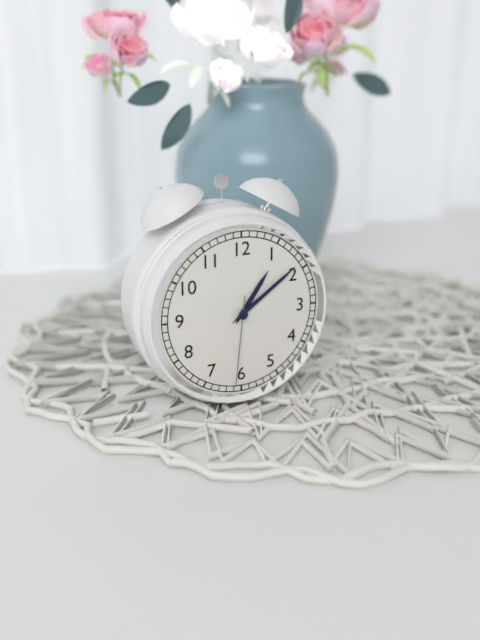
1 h 09 min 31 s
